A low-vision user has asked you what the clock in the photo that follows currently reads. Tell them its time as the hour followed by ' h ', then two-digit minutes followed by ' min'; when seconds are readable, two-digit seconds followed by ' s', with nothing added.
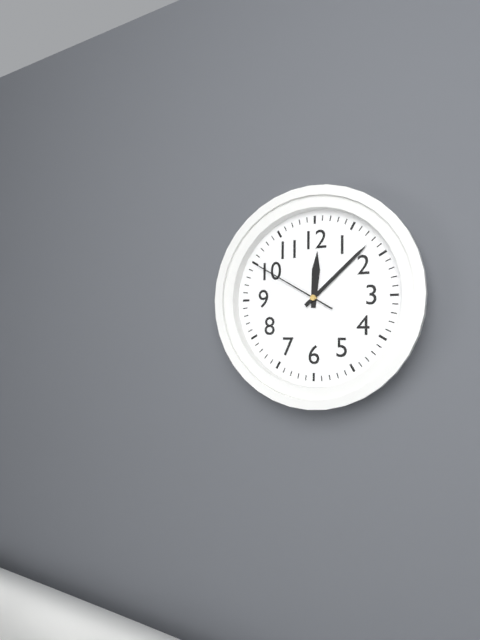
12 h 08 min 50 s
